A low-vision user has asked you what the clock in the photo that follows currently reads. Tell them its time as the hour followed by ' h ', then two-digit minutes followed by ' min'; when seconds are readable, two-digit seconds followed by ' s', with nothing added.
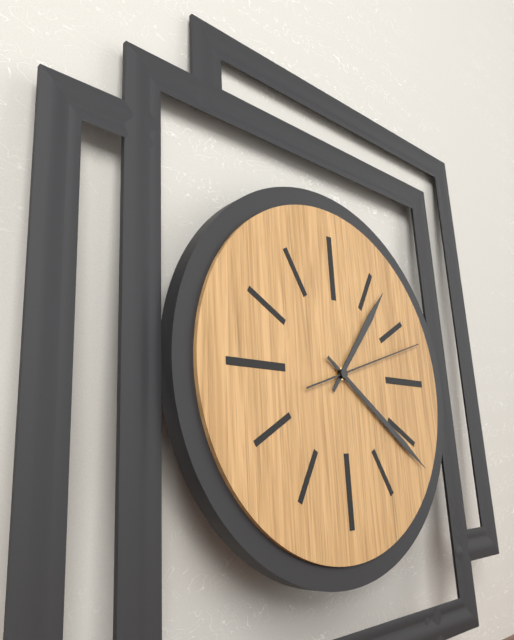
1 h 21 min 12 s
